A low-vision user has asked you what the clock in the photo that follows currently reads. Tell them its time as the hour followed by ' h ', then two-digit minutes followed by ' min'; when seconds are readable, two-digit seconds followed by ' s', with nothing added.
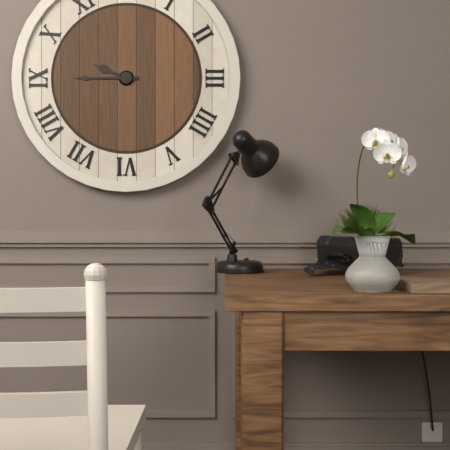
9 h 45 min
